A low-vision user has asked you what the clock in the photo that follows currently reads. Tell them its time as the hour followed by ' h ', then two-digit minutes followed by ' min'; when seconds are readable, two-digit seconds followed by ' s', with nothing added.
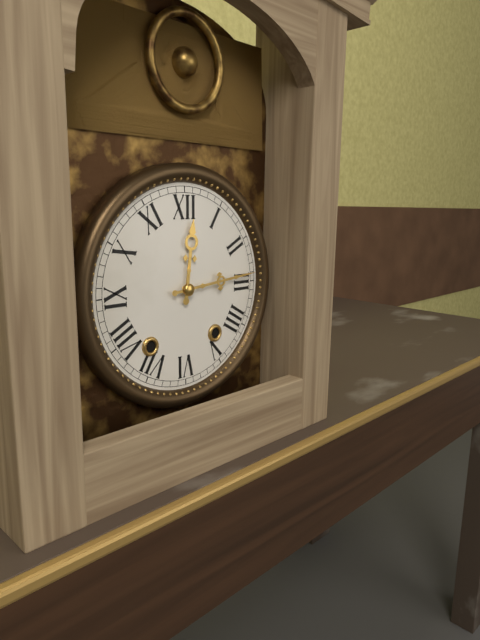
12 h 14 min
